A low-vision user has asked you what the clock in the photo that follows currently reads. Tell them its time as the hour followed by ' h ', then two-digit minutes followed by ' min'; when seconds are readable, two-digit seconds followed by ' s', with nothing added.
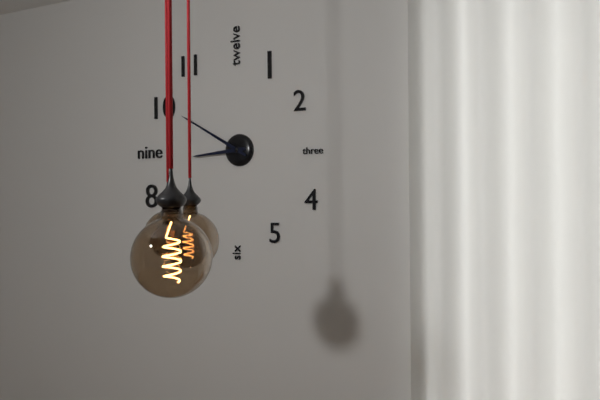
8 h 50 min
